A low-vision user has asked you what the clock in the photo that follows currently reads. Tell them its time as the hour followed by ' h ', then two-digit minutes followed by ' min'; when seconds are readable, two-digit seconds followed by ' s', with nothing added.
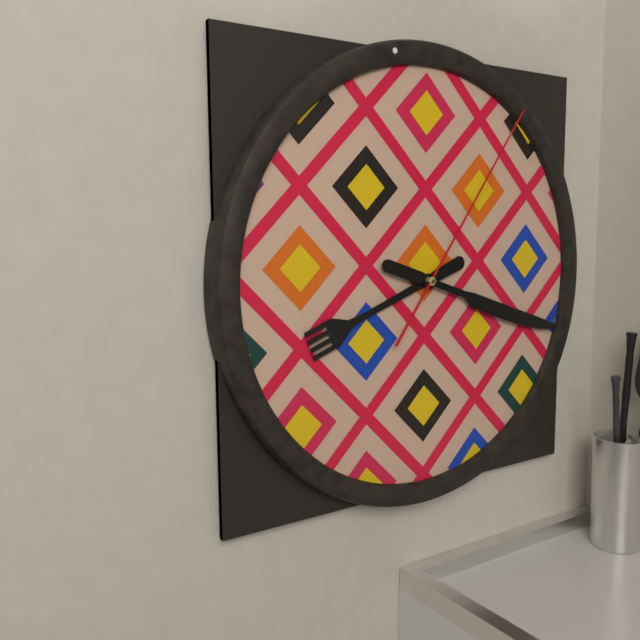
8 h 18 min 06 s
